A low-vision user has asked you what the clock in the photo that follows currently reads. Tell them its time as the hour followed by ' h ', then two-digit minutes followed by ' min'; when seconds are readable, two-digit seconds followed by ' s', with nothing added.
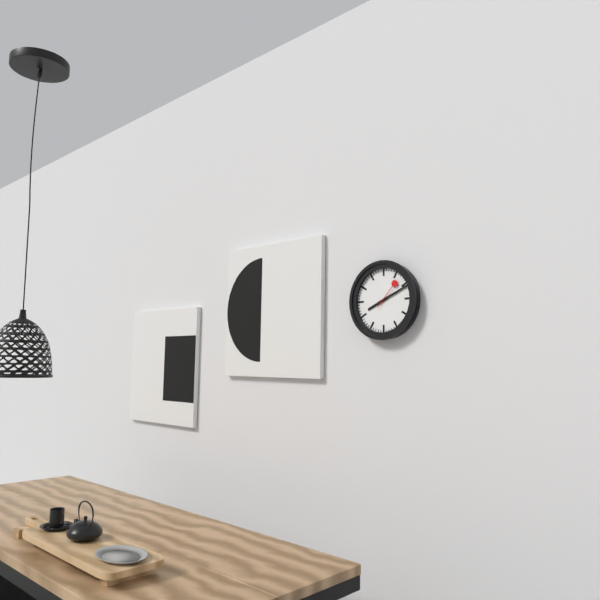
8 h 11 min
